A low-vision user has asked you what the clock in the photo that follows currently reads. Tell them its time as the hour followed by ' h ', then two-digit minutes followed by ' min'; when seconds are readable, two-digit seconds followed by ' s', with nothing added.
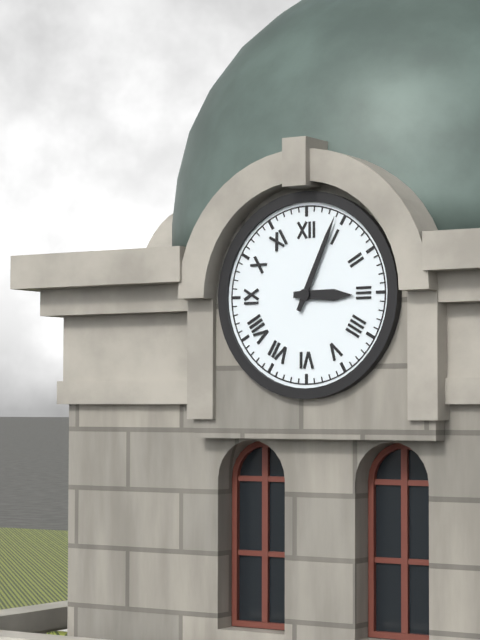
3 h 04 min
